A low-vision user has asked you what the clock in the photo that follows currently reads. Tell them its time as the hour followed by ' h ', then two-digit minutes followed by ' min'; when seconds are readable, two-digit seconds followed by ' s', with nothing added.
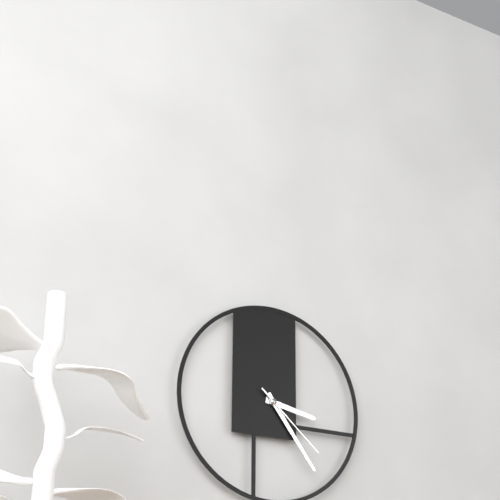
3 h 24 min 22 s
